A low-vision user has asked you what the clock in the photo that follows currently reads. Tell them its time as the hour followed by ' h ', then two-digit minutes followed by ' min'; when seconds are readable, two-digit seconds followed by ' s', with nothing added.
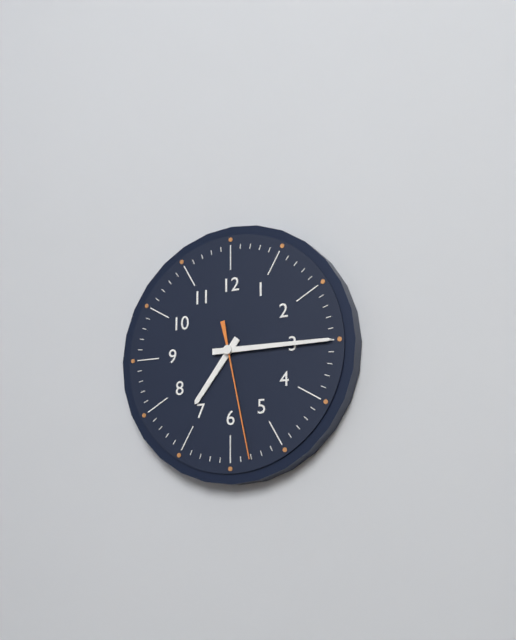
7 h 15 min 28 s
